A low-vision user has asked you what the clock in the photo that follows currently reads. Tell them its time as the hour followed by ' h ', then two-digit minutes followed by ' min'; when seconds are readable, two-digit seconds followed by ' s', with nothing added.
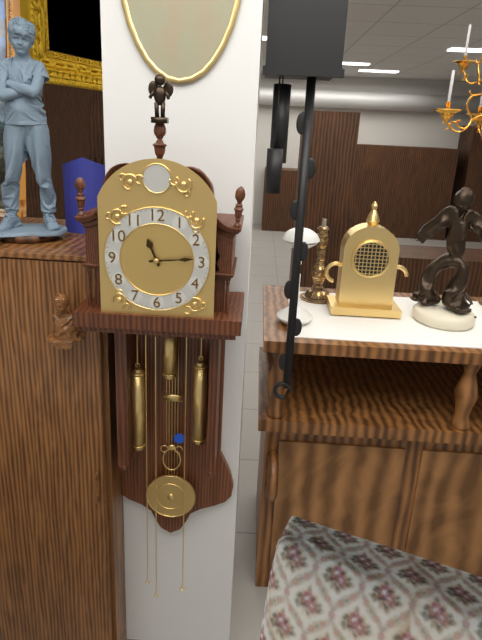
11 h 14 min
